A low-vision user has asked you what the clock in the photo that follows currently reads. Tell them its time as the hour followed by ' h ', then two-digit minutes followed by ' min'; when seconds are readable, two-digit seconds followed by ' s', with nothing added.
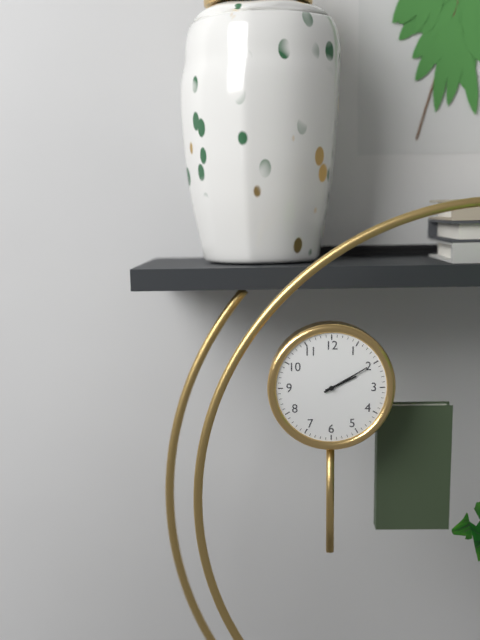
2 h 10 min
